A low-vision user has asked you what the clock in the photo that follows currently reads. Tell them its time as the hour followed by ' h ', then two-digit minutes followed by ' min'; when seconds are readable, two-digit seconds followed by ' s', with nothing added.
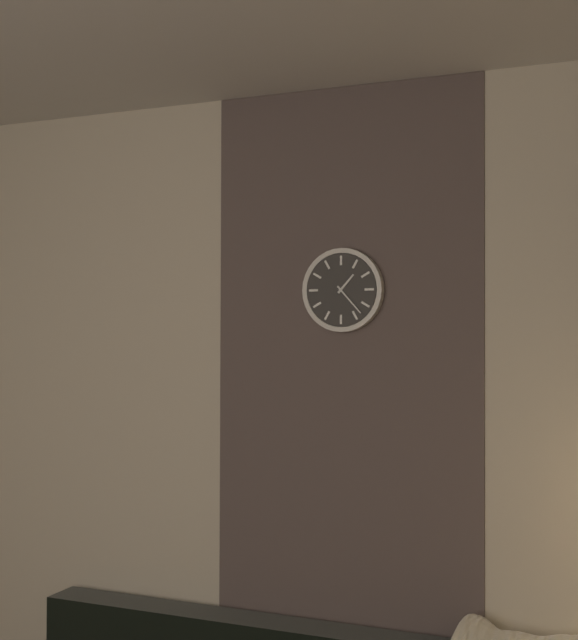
1 h 23 min
